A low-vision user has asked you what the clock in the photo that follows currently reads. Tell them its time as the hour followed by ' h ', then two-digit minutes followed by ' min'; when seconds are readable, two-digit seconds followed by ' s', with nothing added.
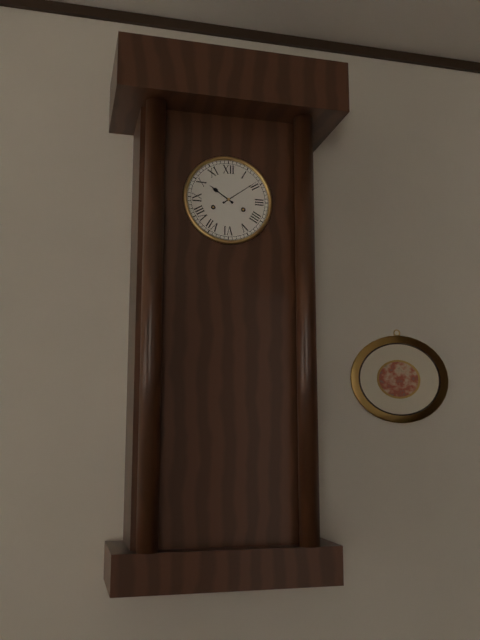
10 h 09 min
